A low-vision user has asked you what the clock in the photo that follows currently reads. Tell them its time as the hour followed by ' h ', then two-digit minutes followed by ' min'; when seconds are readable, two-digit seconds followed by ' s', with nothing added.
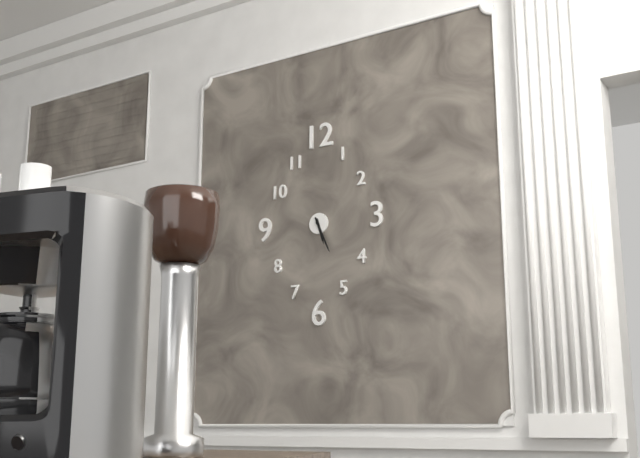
5 h 26 min
